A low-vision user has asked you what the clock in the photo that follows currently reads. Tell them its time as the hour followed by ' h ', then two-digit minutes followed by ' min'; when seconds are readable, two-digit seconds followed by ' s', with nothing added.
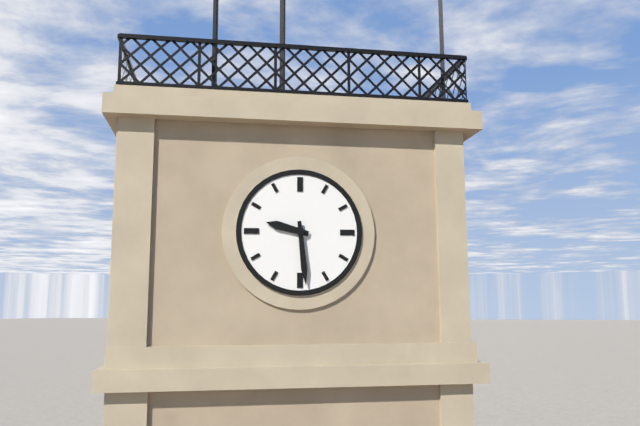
9 h 29 min
